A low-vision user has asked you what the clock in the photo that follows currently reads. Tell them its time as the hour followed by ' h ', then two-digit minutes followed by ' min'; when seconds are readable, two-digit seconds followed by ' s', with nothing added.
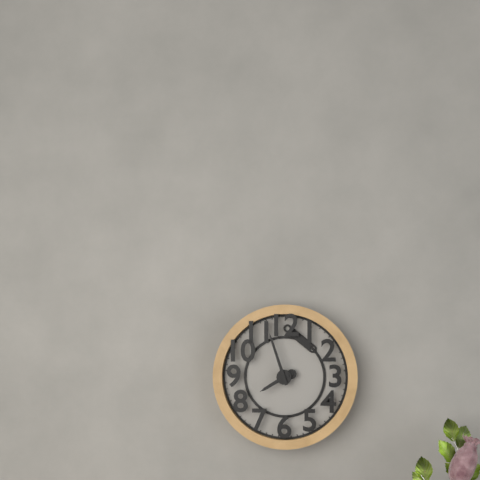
7 h 57 min
